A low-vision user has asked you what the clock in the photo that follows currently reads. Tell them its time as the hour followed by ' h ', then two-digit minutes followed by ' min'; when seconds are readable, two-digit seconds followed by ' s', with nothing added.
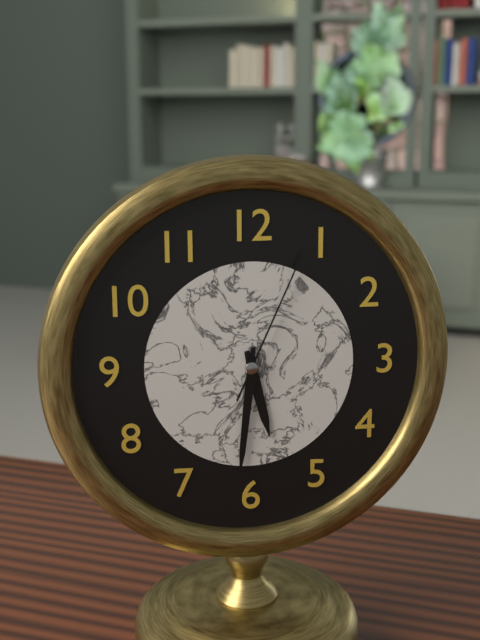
5 h 31 min 04 s
